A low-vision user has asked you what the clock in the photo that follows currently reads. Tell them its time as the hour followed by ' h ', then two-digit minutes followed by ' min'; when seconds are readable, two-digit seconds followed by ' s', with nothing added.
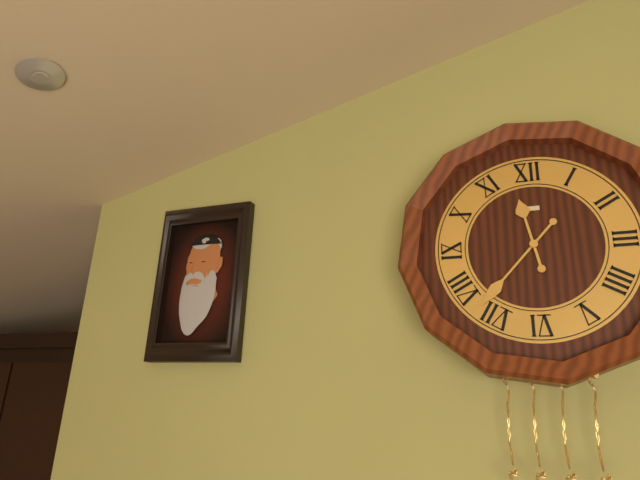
11 h 37 min
